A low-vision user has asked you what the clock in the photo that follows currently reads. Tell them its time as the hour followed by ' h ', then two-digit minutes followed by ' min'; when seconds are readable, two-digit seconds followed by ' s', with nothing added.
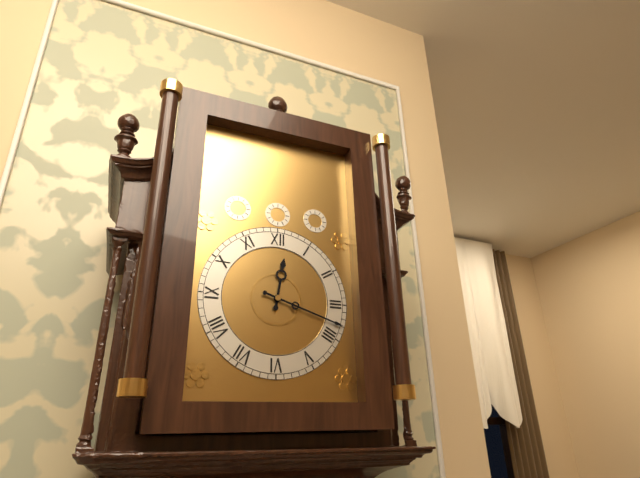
12 h 18 min
